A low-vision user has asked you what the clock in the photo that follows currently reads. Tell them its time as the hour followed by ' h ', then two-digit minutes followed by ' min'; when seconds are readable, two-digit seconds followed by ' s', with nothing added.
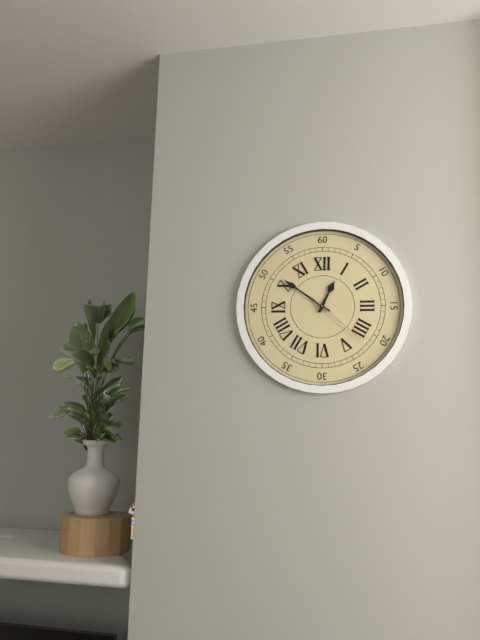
12 h 51 min 22 s
